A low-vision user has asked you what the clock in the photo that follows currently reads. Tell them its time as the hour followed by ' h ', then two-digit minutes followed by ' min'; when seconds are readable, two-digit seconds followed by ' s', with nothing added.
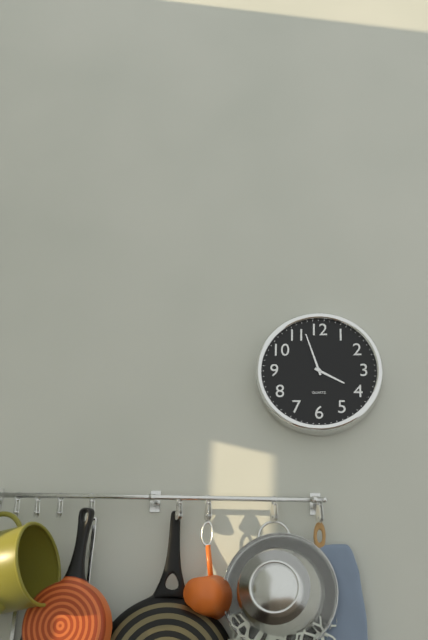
3 h 57 min
